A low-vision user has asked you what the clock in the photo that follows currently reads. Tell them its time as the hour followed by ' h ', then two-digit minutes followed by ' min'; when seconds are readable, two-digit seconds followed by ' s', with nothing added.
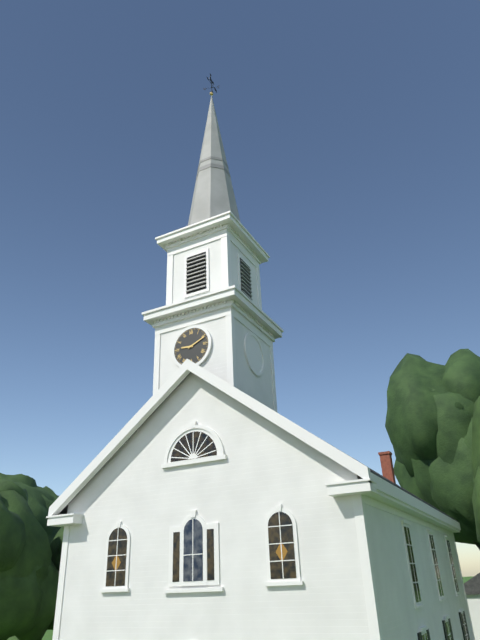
9 h 11 min
